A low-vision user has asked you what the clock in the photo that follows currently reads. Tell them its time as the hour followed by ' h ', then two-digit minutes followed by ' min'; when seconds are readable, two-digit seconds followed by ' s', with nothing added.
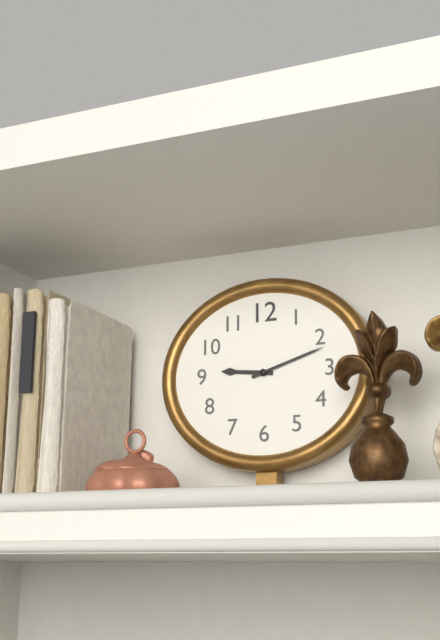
9 h 12 min
